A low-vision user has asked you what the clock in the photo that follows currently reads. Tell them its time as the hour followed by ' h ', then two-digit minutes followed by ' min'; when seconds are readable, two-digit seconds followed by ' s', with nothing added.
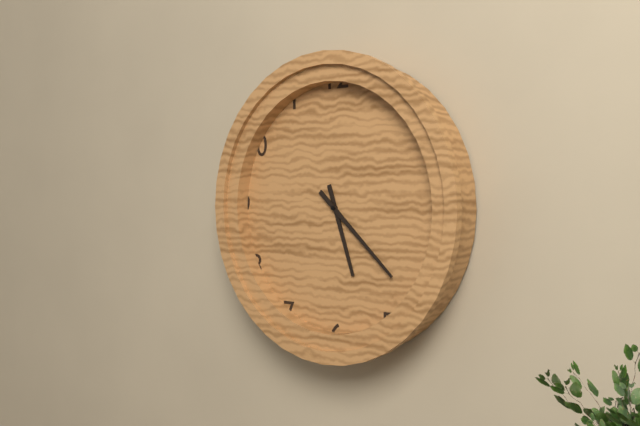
5 h 22 min
